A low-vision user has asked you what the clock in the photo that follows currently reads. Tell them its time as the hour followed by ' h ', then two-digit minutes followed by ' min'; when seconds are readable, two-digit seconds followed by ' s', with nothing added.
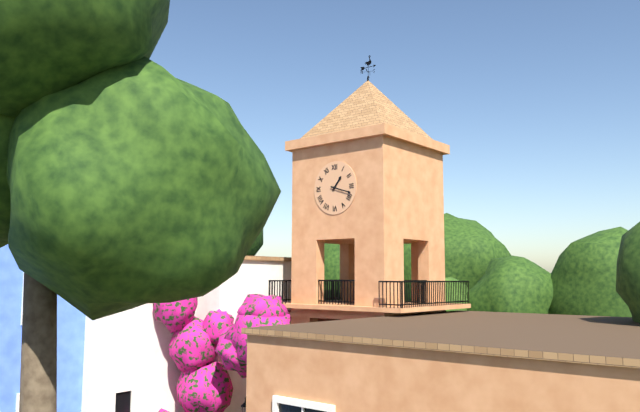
1 h 18 min
